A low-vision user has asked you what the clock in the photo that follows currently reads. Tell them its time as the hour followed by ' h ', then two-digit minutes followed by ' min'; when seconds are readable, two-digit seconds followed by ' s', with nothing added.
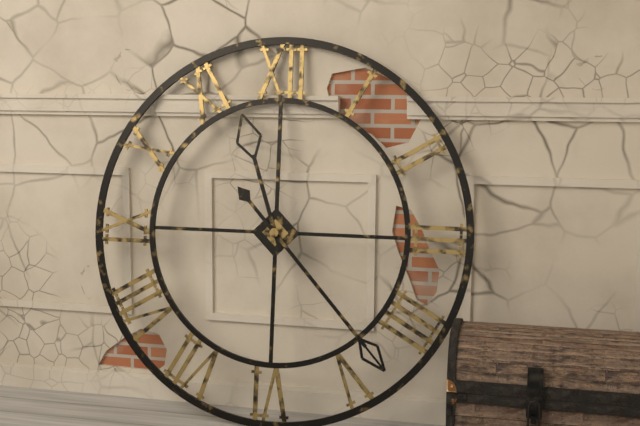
11 h 23 min
